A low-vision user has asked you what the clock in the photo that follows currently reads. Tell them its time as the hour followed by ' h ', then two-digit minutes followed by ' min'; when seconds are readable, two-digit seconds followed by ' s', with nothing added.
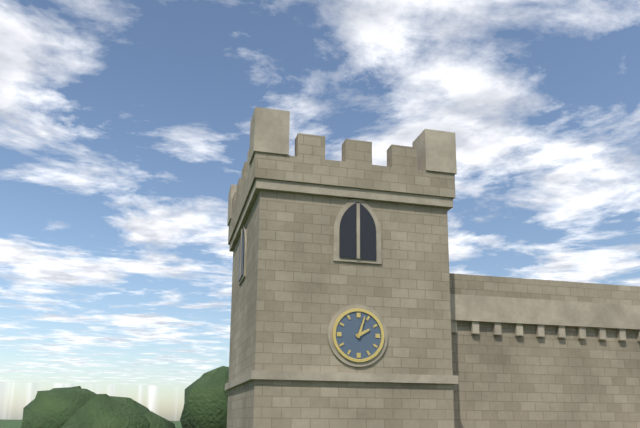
2 h 03 min
